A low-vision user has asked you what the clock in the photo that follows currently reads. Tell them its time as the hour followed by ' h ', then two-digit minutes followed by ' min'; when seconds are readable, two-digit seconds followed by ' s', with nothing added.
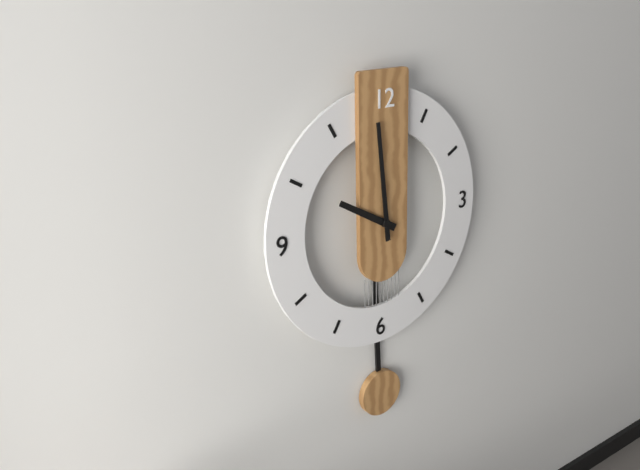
9 h 59 min
